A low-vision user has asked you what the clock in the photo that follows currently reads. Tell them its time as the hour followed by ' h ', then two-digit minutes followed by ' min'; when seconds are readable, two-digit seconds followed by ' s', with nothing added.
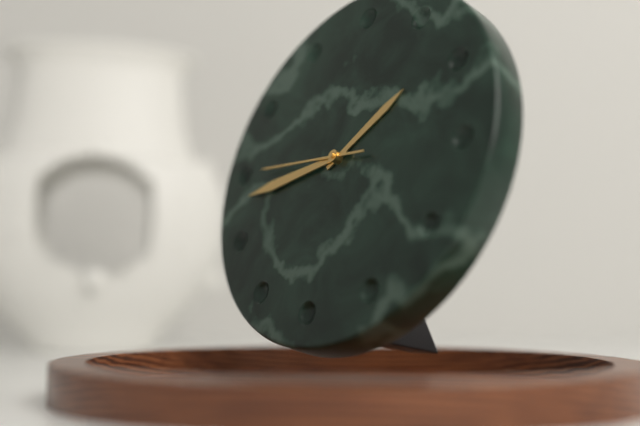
1 h 43 min 45 s
